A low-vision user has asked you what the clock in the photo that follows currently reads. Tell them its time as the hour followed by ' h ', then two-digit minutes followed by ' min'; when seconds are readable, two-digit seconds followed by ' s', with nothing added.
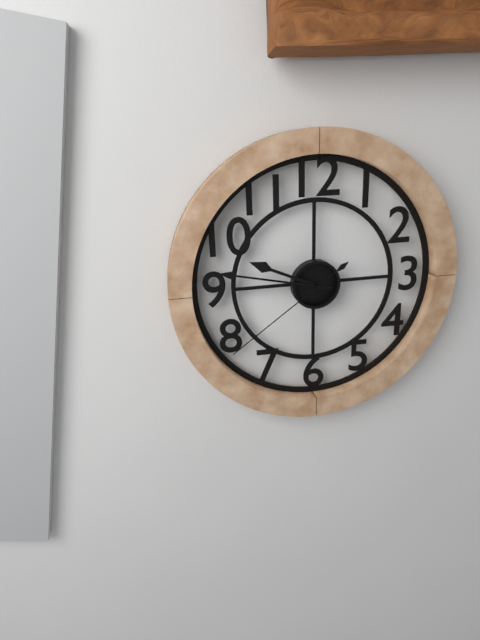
9 h 47 min 39 s
